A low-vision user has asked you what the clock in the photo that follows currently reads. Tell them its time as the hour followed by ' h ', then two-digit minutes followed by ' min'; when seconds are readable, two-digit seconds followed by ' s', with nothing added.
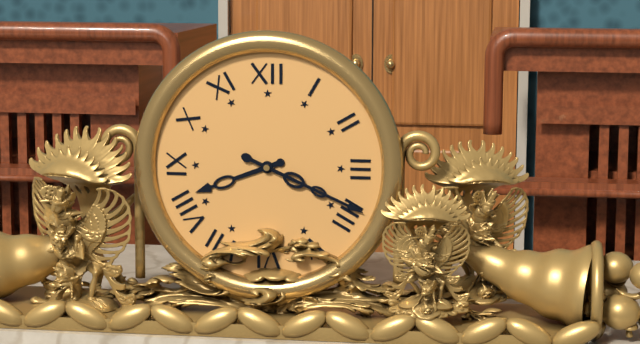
8 h 19 min
